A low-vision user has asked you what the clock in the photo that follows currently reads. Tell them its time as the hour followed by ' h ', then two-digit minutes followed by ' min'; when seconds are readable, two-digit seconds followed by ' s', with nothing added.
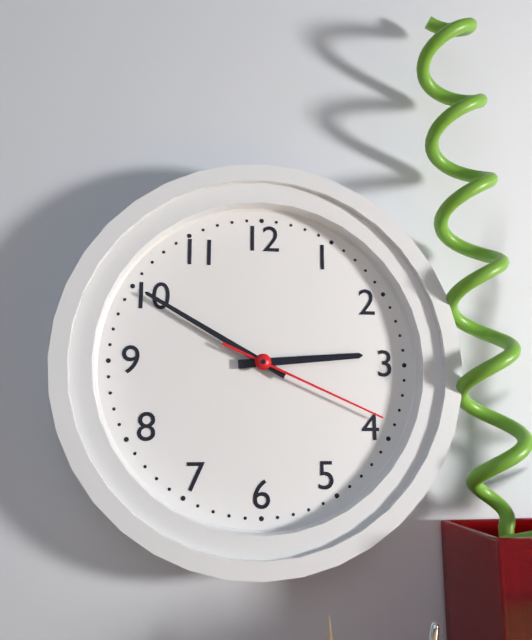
2 h 50 min 19 s
